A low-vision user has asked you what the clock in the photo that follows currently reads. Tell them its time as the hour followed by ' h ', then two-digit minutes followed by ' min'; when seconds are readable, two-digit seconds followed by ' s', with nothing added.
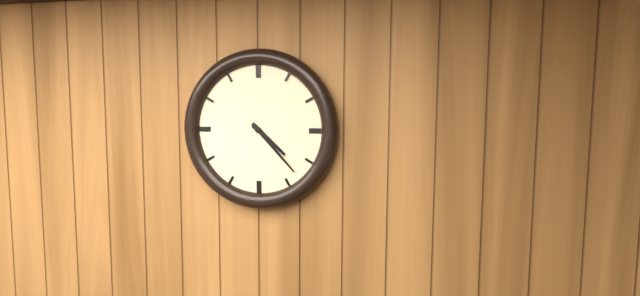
4 h 23 min
